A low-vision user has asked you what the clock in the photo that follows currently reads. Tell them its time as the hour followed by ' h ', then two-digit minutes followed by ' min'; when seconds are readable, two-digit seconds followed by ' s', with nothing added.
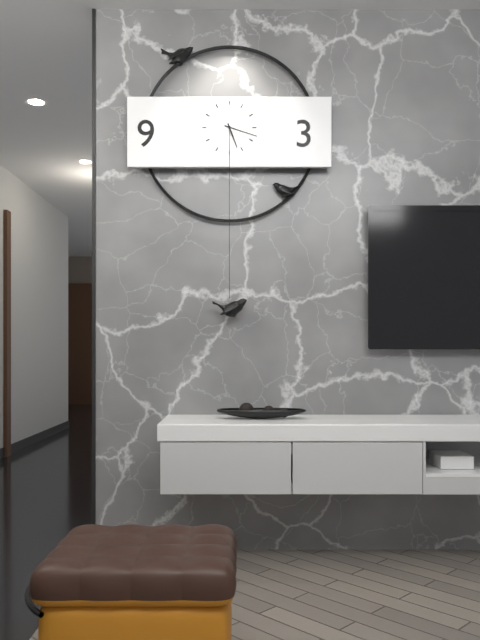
5 h 18 min
